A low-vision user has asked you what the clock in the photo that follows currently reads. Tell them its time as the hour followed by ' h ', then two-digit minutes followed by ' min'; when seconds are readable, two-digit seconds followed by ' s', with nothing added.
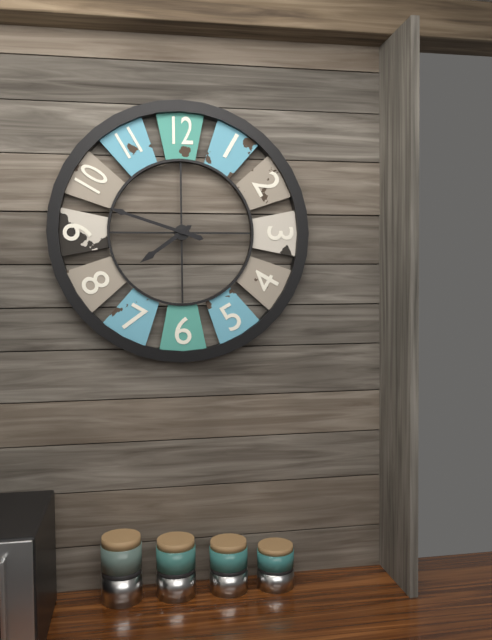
7 h 48 min
